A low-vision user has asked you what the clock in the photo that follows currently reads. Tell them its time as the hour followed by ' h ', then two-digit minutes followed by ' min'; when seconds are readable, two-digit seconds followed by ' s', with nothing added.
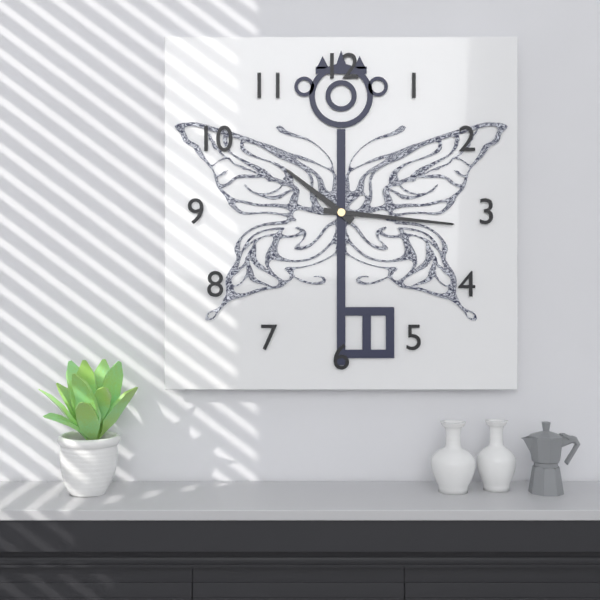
10 h 16 min
